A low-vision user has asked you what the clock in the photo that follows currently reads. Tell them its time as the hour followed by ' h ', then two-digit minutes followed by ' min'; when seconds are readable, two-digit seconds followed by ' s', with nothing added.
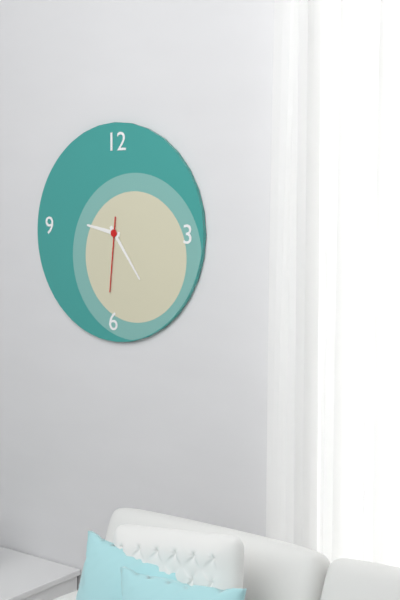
9 h 24 min 31 s
